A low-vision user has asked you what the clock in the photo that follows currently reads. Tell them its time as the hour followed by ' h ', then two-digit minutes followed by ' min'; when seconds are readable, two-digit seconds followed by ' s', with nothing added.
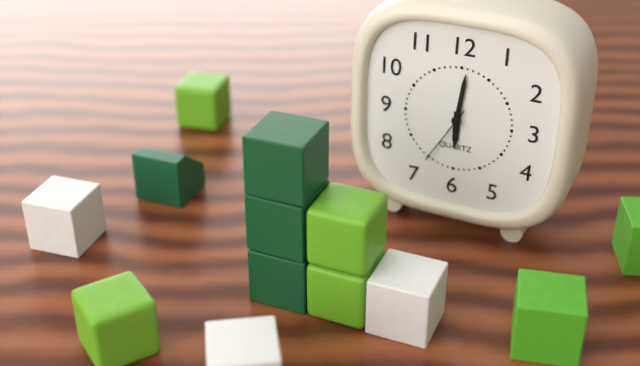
6 h 01 min 35 s
